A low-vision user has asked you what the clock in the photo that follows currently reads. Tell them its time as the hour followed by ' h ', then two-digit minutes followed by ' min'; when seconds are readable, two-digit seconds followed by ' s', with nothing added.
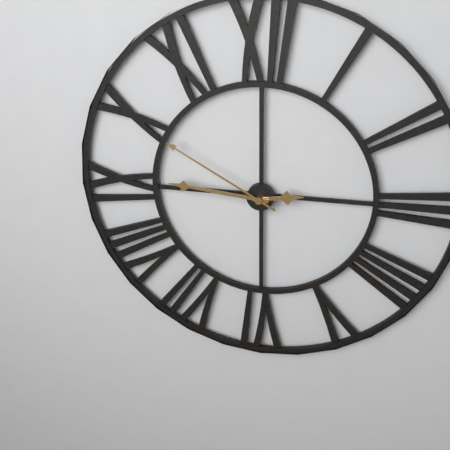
2 h 46 min 50 s
